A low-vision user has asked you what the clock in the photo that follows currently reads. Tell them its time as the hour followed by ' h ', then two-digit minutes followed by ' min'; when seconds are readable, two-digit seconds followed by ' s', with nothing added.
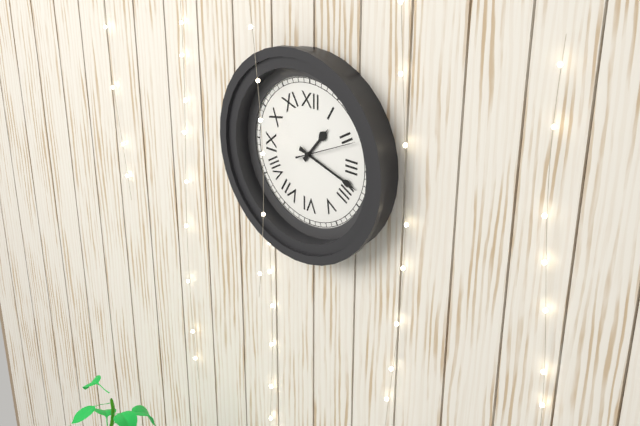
1 h 18 min 11 s
